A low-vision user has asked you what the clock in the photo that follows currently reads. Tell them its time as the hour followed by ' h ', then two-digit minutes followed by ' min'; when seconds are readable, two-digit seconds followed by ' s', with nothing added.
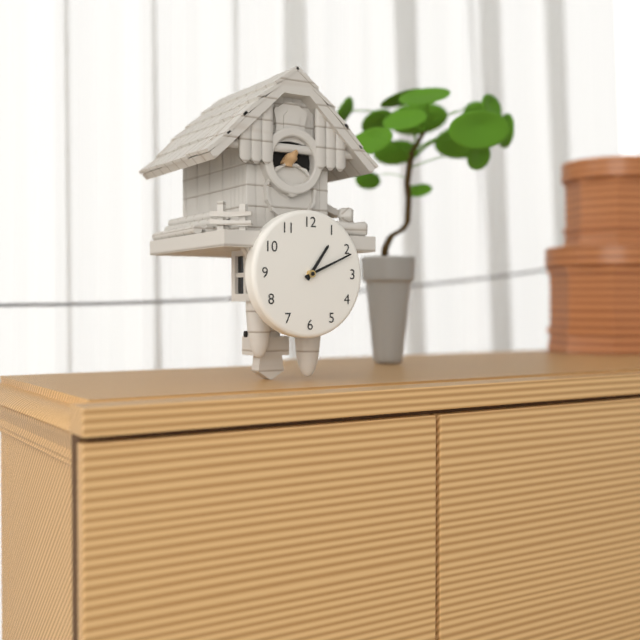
1 h 11 min
